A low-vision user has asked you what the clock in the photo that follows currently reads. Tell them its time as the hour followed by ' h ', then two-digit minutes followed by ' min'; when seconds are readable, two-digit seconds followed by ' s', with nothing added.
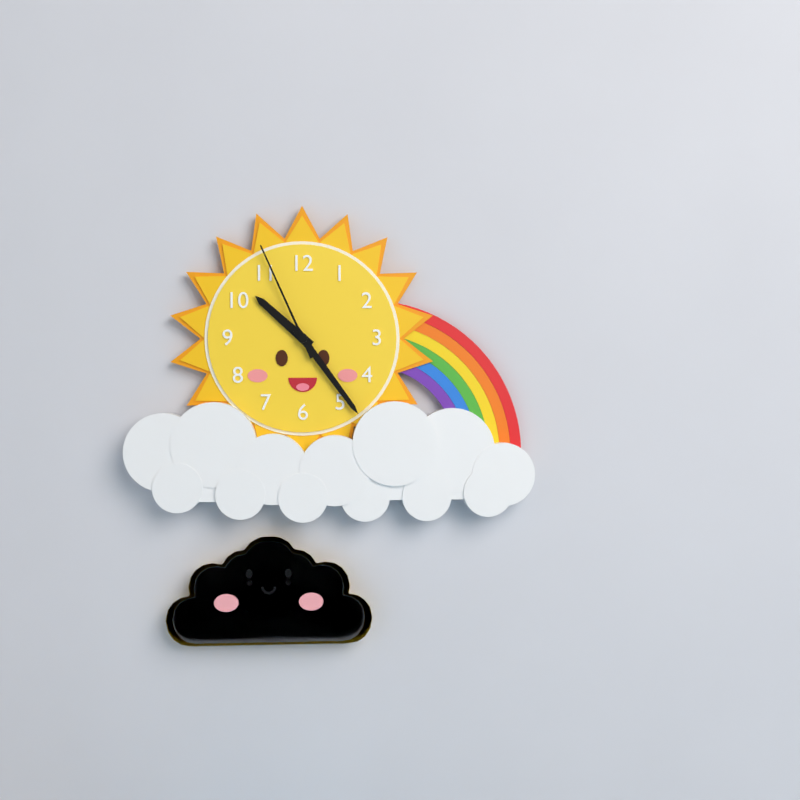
10 h 24 min 56 s
